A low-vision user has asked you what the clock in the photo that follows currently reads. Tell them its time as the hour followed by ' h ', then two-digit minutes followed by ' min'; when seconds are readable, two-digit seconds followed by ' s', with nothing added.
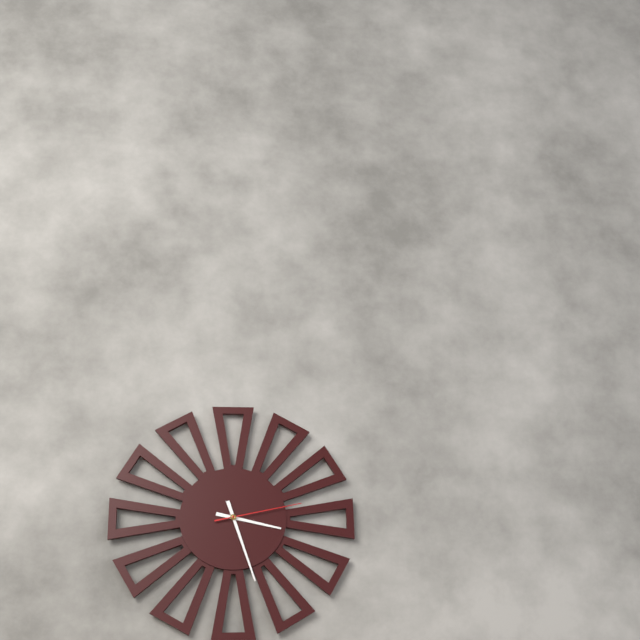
3 h 27 min 13 s
